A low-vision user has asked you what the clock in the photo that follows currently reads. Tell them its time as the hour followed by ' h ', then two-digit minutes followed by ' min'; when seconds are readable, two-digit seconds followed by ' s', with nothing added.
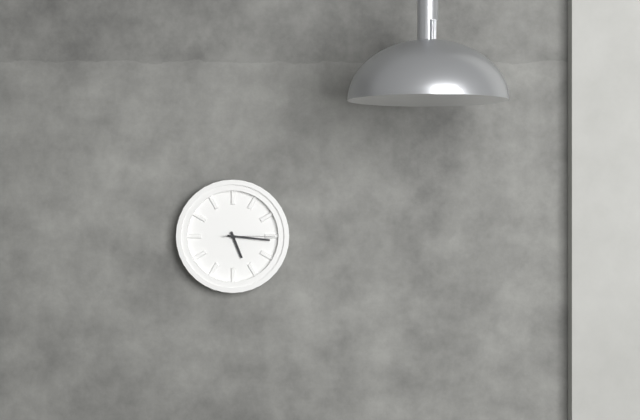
5 h 16 min 15 s
